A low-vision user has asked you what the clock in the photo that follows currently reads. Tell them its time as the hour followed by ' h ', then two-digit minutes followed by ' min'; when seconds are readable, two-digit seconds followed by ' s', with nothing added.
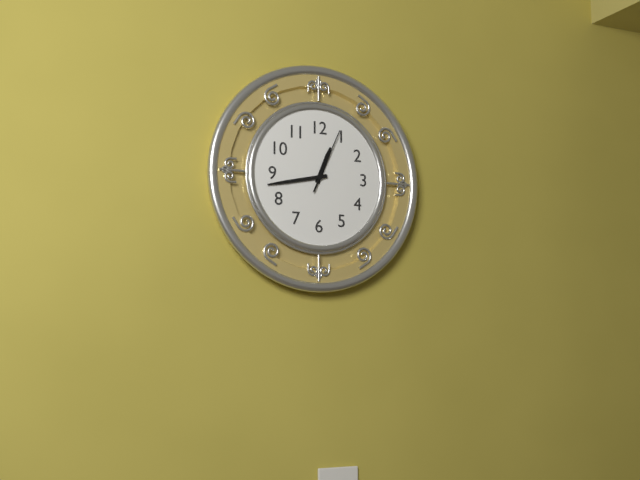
12 h 43 min 04 s
